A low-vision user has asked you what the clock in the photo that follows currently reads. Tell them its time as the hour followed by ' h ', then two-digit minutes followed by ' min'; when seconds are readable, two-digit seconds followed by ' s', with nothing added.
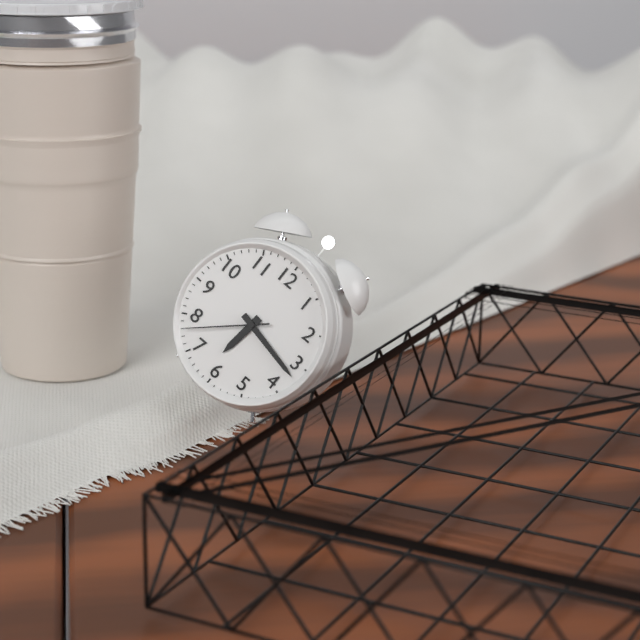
6 h 17 min 38 s
